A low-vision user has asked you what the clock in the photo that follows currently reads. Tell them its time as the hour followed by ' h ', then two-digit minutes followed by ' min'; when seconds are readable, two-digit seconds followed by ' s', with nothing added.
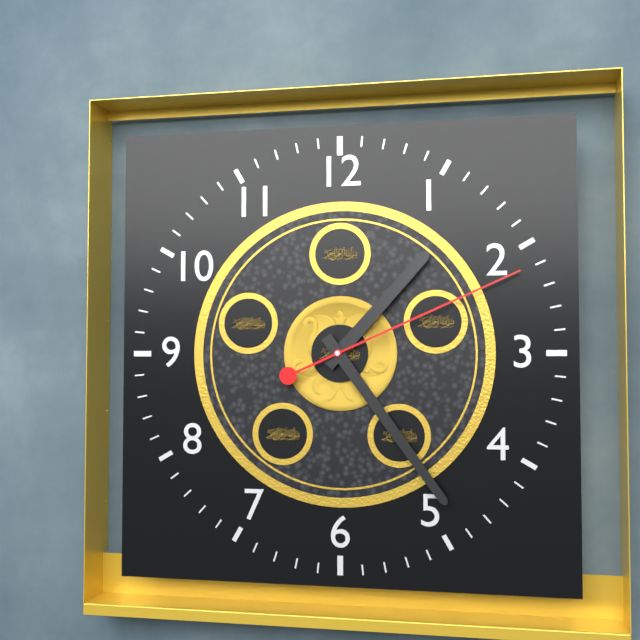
1 h 24 min 11 s
